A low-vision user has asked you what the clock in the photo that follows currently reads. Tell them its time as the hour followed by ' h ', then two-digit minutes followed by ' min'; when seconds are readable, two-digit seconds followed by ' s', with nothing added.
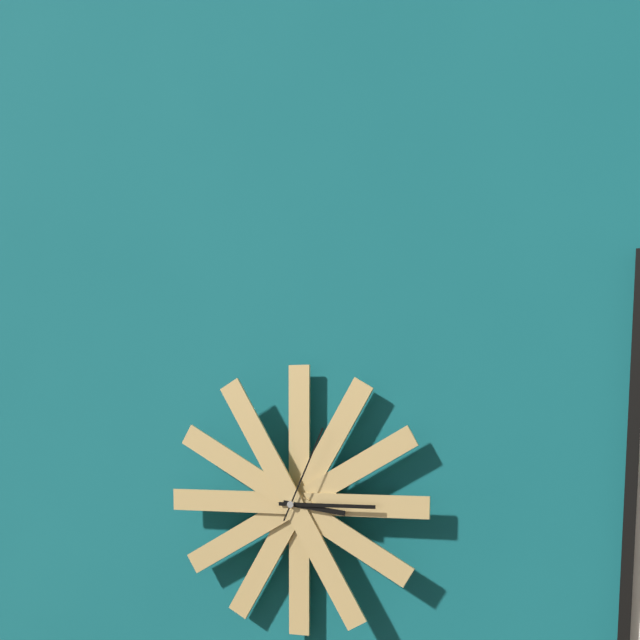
3 h 15 min 04 s
